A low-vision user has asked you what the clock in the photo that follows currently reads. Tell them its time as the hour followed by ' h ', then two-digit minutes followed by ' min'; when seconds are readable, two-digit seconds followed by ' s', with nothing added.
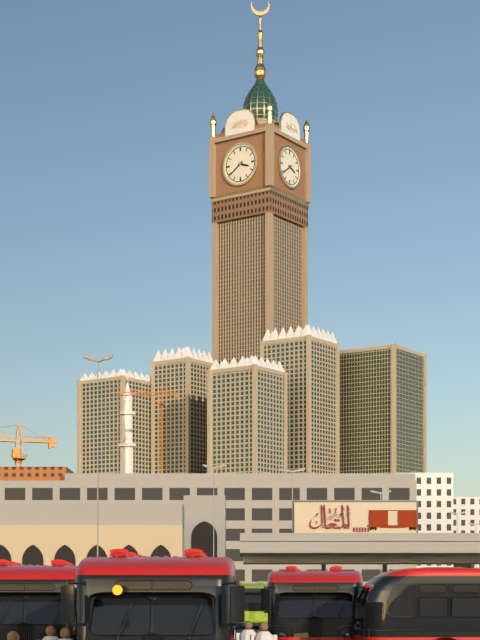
3 h 39 min
